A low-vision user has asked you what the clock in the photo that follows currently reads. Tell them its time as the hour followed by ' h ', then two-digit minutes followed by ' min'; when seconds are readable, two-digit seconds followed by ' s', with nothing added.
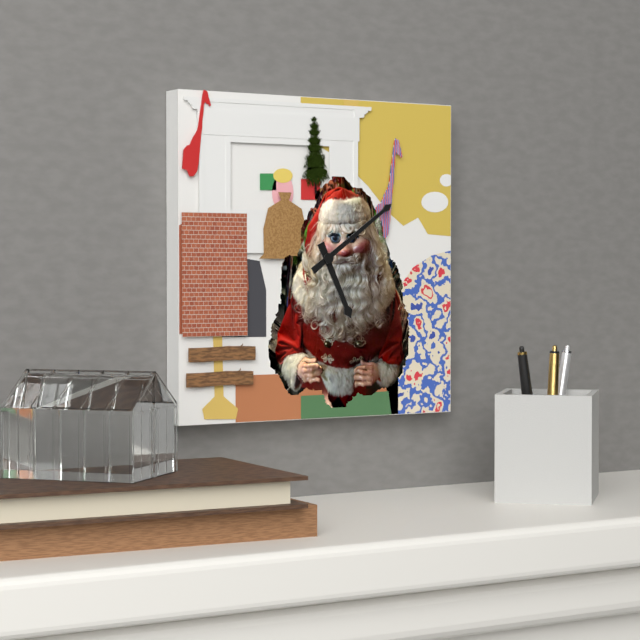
5 h 09 min
